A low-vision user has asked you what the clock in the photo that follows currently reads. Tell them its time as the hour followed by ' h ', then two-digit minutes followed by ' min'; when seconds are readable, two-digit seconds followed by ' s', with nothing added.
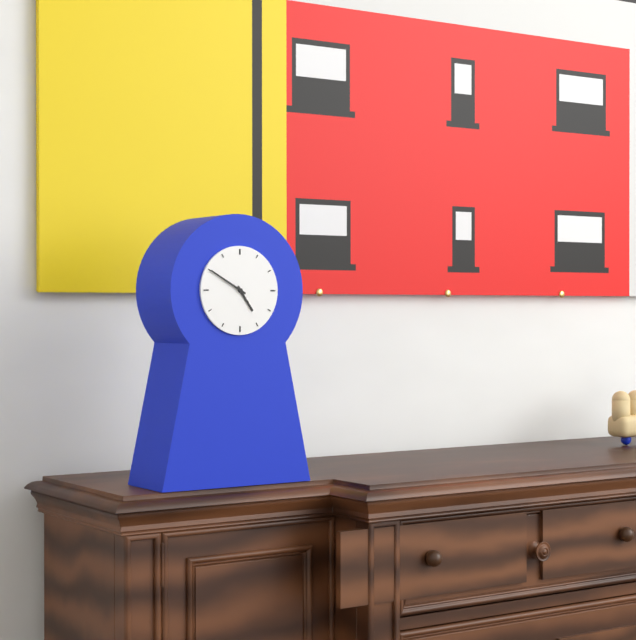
4 h 50 min
